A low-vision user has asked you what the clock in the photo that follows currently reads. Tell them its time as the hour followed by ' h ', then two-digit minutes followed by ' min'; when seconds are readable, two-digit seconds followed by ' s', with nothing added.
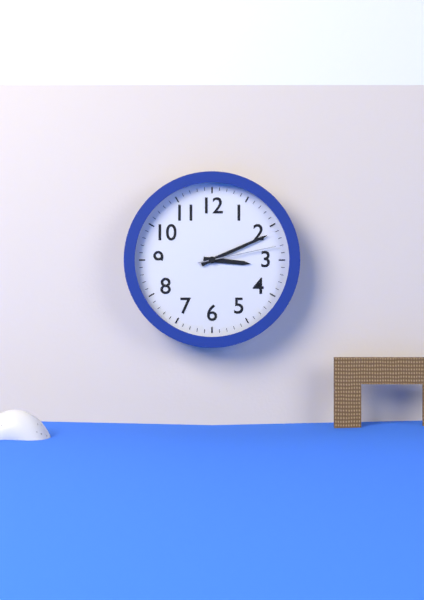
3 h 11 min 13 s
